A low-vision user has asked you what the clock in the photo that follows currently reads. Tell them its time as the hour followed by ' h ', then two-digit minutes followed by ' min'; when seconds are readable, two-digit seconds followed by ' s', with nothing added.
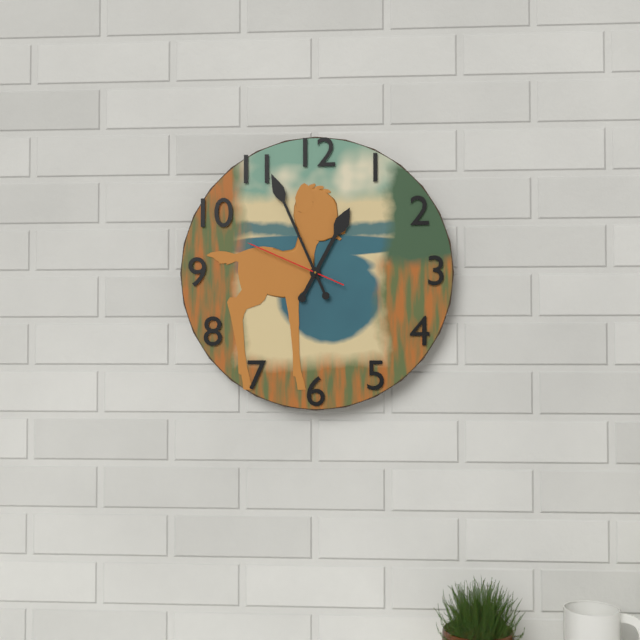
12 h 56 min 49 s
